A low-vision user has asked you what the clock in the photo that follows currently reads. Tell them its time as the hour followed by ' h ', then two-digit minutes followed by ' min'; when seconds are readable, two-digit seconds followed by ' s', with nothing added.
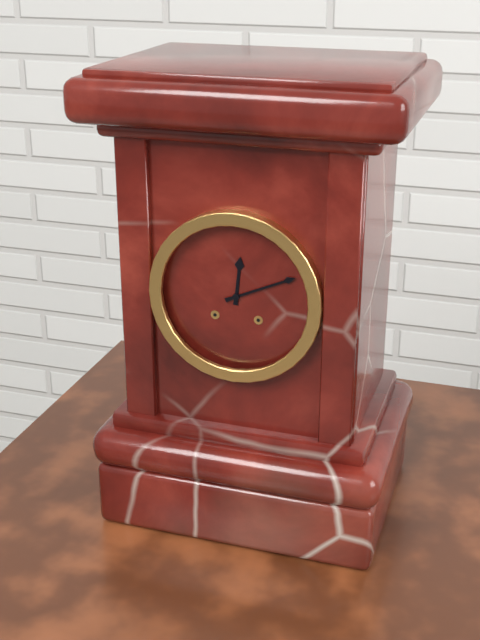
12 h 11 min
